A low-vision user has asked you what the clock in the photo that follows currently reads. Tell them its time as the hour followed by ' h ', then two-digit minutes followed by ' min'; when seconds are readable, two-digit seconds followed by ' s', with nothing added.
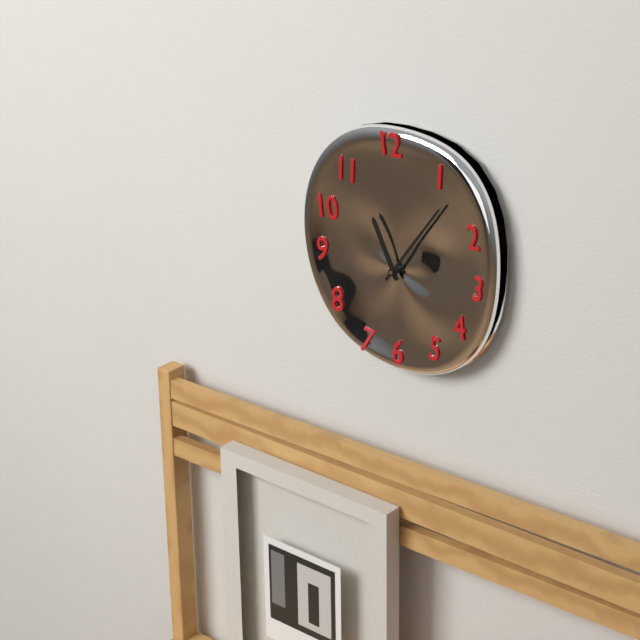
11 h 06 min
